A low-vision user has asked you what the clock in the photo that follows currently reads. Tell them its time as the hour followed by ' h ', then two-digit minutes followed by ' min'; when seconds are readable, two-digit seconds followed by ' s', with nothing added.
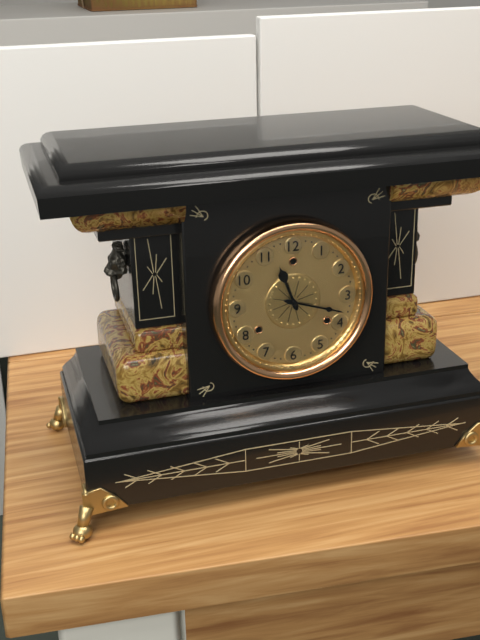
11 h 18 min
